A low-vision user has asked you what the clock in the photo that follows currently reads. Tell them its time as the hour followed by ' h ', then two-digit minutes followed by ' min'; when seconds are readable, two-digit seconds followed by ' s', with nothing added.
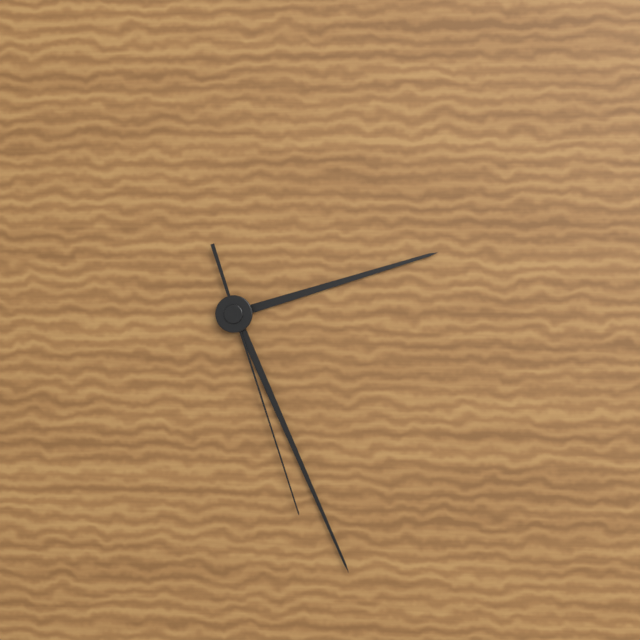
2 h 26 min 27 s
